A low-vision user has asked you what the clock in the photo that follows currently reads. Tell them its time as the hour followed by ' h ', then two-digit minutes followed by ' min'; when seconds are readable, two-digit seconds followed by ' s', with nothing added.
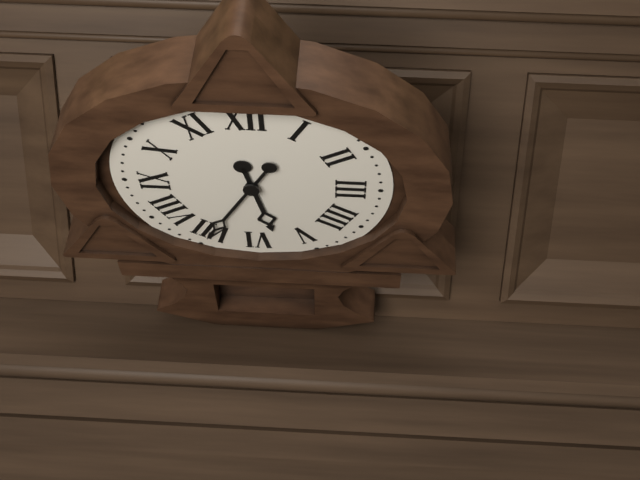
5 h 35 min
